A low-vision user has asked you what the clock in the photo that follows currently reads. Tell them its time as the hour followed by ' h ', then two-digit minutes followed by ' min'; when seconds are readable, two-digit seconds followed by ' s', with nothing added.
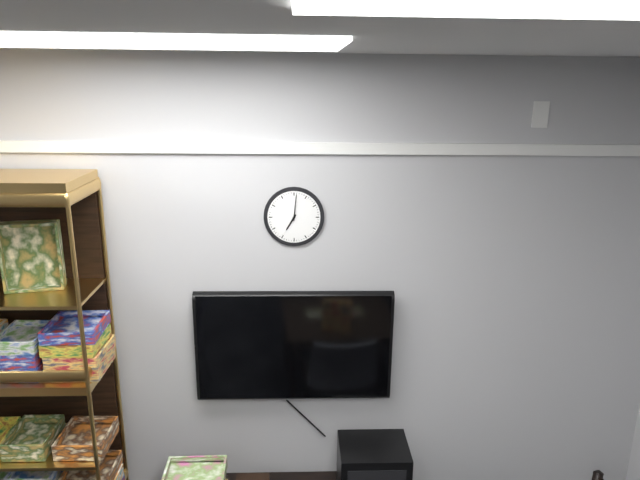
7 h 01 min
